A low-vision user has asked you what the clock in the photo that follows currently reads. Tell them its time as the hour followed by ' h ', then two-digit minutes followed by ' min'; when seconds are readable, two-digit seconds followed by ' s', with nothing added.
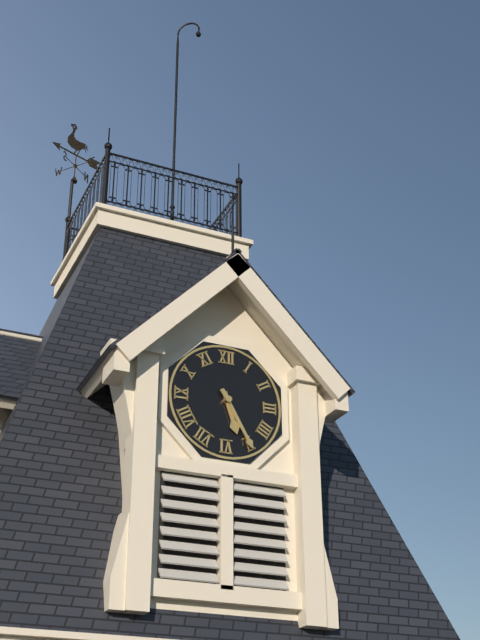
5 h 25 min
